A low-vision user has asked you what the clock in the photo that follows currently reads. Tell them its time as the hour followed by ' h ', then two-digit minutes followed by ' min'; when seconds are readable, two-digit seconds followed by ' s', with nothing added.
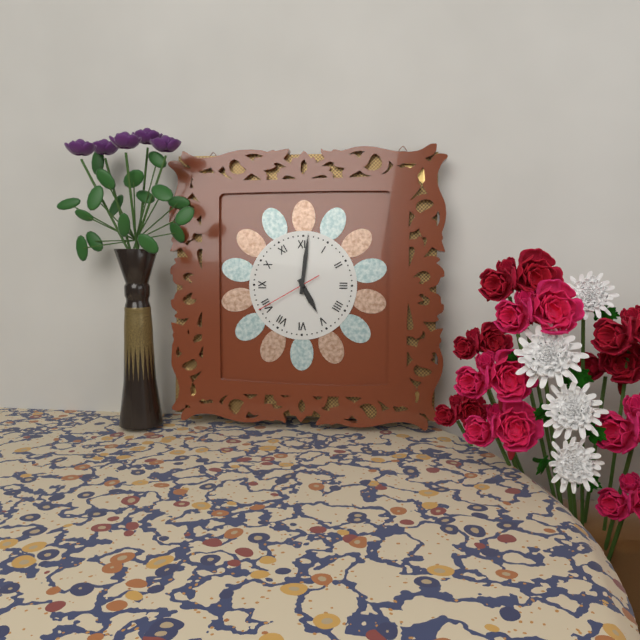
5 h 01 min 40 s
